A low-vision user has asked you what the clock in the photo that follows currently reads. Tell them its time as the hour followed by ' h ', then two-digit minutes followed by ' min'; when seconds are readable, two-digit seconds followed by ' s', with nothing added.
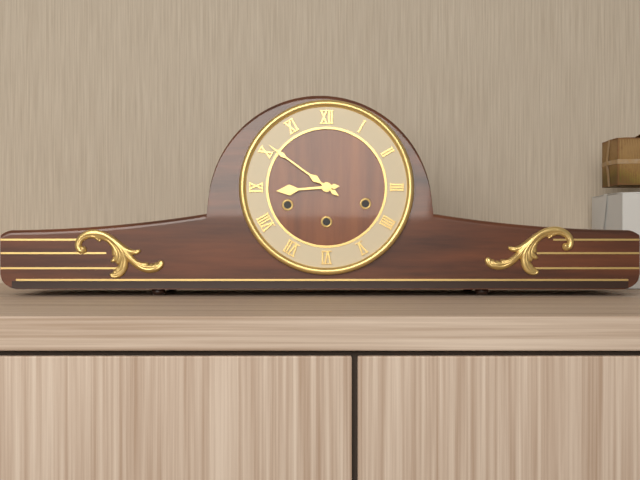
8 h 51 min
